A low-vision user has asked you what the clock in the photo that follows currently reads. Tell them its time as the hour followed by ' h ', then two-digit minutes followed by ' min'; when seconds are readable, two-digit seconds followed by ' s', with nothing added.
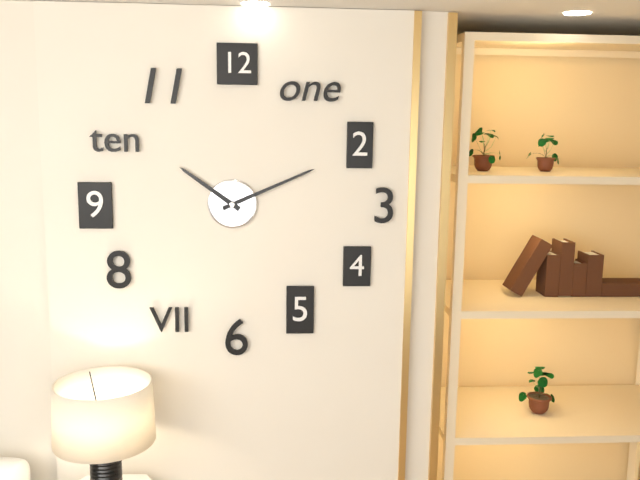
10 h 11 min
